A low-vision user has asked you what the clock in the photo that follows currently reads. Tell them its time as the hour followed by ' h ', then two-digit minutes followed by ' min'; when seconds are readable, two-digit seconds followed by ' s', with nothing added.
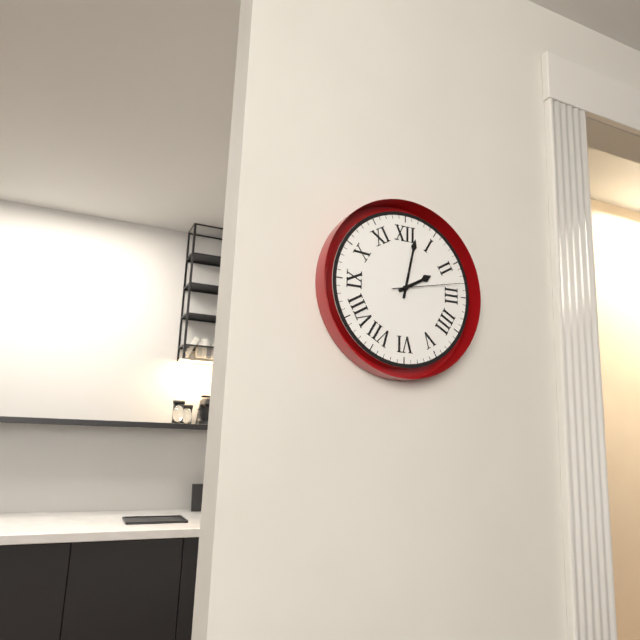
2 h 02 min 13 s
